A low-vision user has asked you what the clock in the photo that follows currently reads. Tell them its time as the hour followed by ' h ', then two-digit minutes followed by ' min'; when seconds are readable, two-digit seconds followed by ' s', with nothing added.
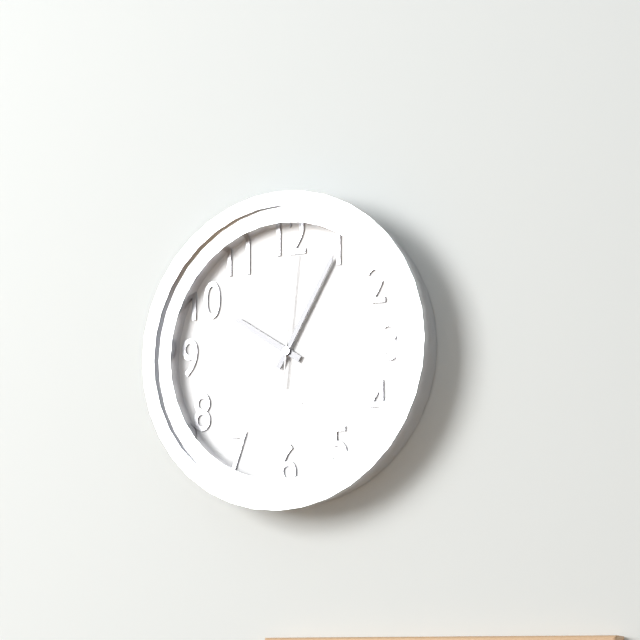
10 h 05 min 01 s
